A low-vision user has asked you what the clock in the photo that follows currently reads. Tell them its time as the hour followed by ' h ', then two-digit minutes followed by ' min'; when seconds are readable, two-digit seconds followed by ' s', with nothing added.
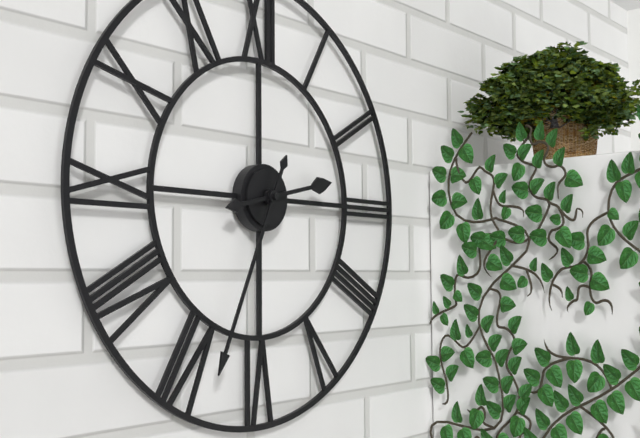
2 h 34 min
